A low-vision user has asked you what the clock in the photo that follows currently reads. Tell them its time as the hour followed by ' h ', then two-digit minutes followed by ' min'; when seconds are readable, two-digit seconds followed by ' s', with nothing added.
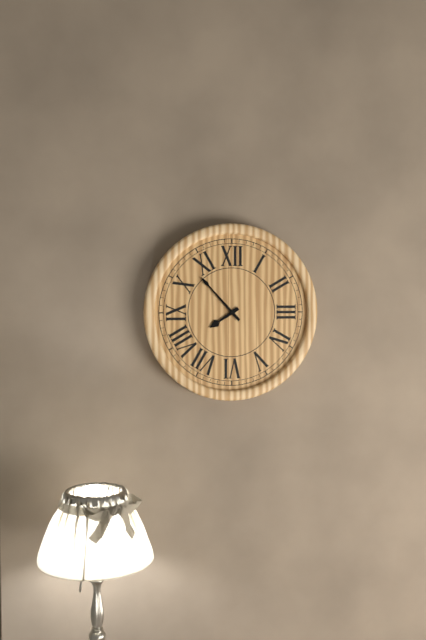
7 h 53 min
